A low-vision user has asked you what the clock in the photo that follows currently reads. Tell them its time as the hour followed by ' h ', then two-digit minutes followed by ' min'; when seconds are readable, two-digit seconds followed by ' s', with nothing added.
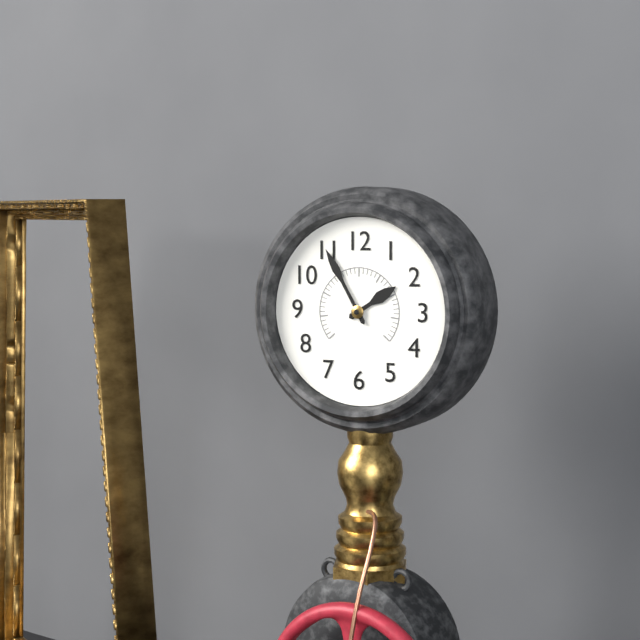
1 h 55 min
